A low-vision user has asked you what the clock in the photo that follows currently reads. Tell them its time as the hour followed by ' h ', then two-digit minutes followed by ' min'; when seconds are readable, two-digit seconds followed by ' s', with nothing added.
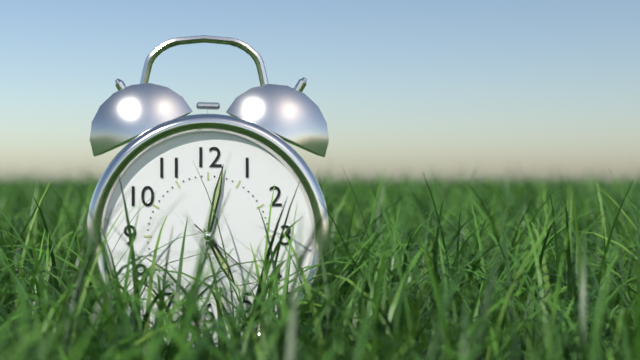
5 h 02 min 22 s
